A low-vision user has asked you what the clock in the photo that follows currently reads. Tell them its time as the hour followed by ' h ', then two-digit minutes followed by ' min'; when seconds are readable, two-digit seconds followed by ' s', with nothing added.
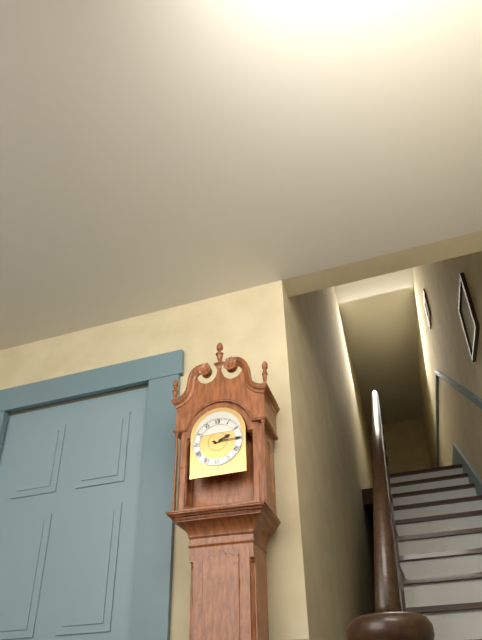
2 h 15 min
